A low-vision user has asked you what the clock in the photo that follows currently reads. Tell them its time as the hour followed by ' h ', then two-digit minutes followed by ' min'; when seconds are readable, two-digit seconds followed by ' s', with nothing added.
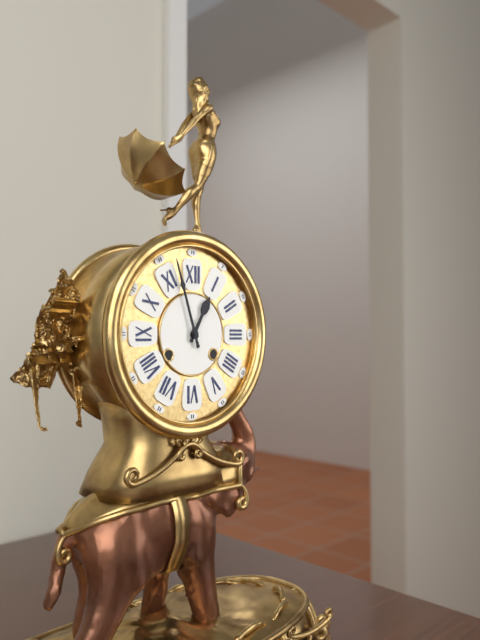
12 h 57 min
